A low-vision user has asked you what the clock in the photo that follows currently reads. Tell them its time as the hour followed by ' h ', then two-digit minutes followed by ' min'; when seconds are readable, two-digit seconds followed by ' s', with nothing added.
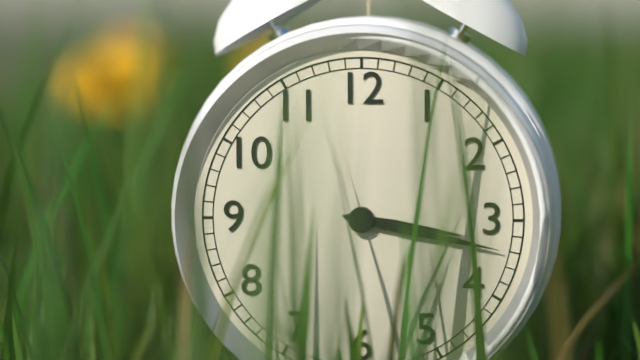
3 h 17 min
